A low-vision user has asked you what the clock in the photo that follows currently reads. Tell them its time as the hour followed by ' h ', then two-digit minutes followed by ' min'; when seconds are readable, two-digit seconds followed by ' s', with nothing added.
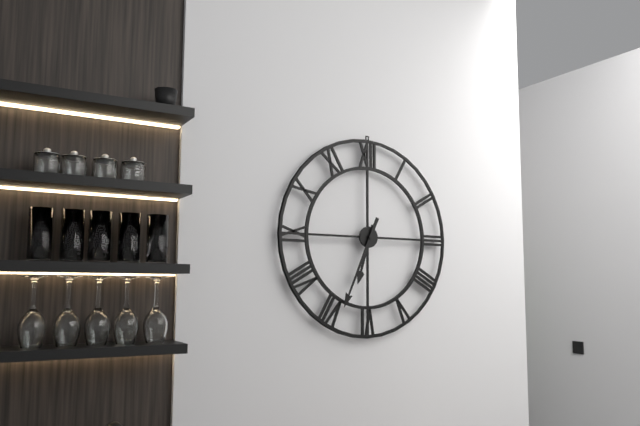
6 h 34 min
